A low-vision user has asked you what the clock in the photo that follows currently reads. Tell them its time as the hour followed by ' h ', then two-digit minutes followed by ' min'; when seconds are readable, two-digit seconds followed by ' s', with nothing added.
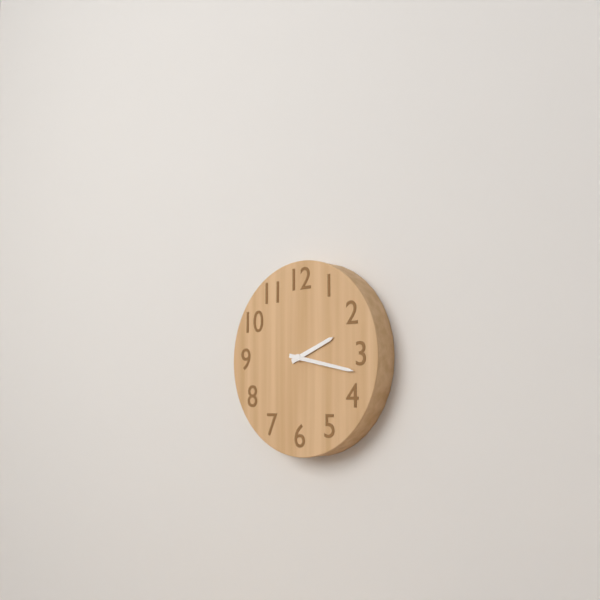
2 h 17 min
